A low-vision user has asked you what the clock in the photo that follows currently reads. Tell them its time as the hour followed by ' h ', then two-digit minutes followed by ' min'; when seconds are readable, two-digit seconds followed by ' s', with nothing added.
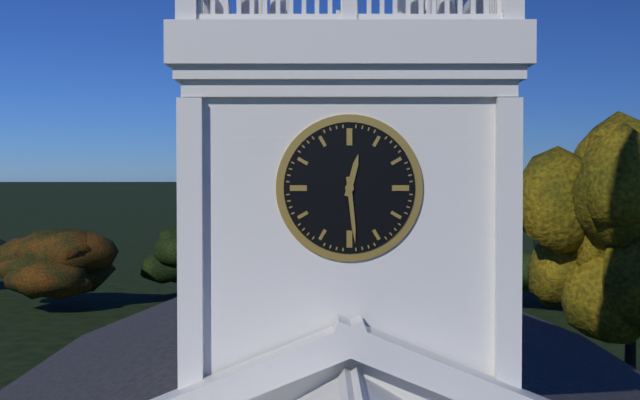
12 h 29 min
